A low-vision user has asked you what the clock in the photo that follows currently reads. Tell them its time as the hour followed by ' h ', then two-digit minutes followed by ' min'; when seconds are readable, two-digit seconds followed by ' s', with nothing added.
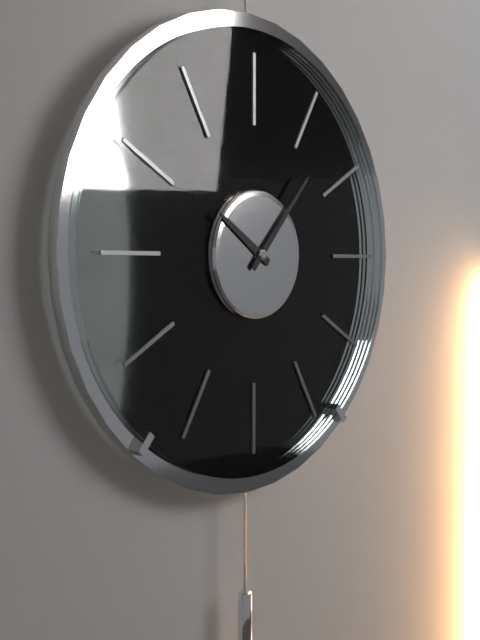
10 h 07 min
